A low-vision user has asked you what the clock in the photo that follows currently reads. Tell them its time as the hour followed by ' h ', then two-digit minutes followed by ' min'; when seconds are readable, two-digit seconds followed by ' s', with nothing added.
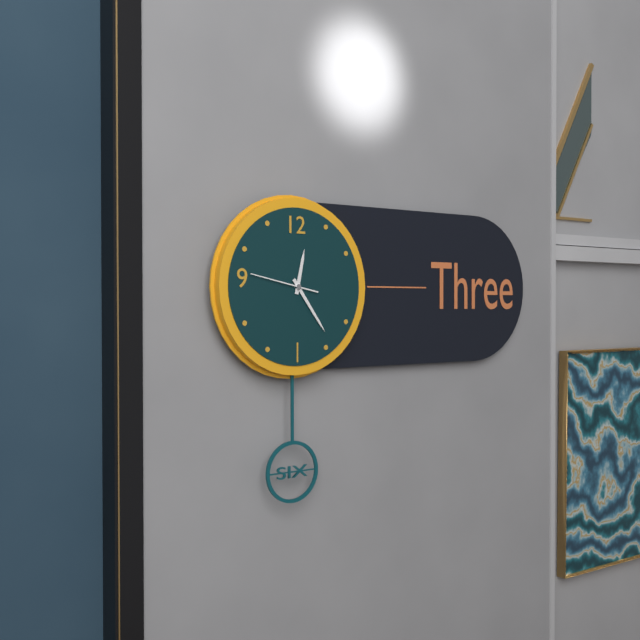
12 h 24 min
